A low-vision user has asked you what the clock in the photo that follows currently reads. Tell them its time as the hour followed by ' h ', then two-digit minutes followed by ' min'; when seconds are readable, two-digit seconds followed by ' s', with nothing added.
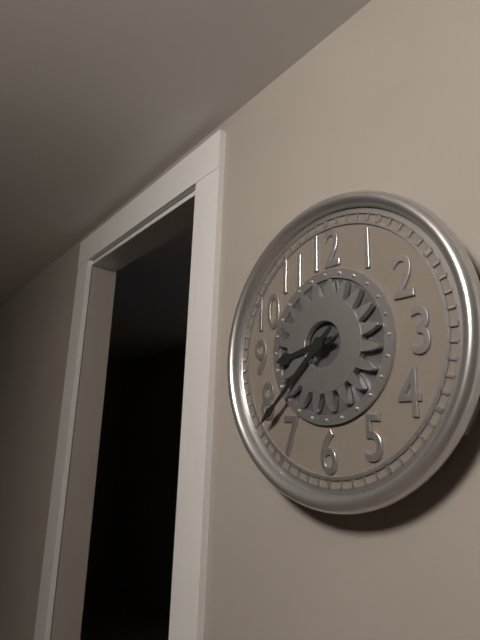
8 h 38 min
